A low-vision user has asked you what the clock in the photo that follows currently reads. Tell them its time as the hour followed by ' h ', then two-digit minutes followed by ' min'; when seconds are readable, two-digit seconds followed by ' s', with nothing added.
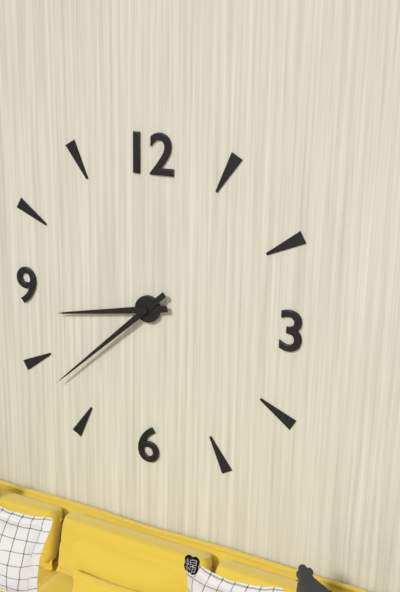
8 h 38 min
